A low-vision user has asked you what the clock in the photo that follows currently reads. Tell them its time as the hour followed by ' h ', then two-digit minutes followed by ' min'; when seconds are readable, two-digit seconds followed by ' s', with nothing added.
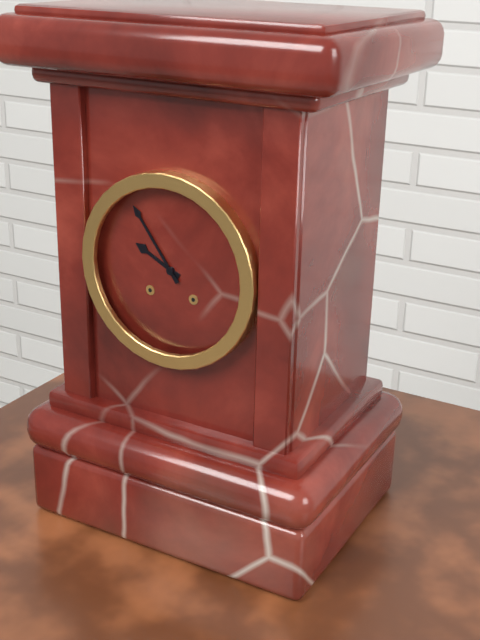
9 h 54 min
